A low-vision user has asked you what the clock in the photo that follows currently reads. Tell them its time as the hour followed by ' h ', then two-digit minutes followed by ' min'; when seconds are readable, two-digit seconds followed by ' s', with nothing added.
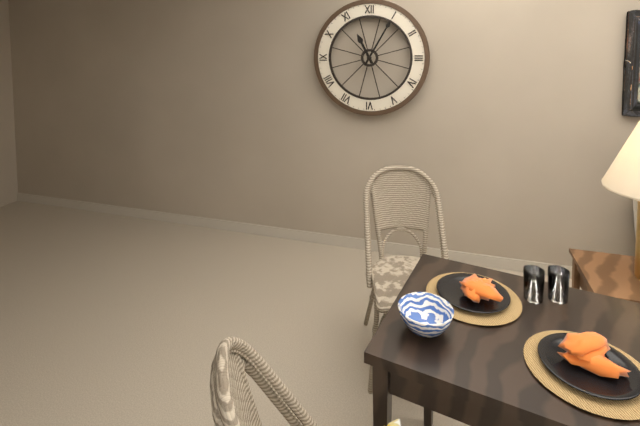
11 h 05 min
